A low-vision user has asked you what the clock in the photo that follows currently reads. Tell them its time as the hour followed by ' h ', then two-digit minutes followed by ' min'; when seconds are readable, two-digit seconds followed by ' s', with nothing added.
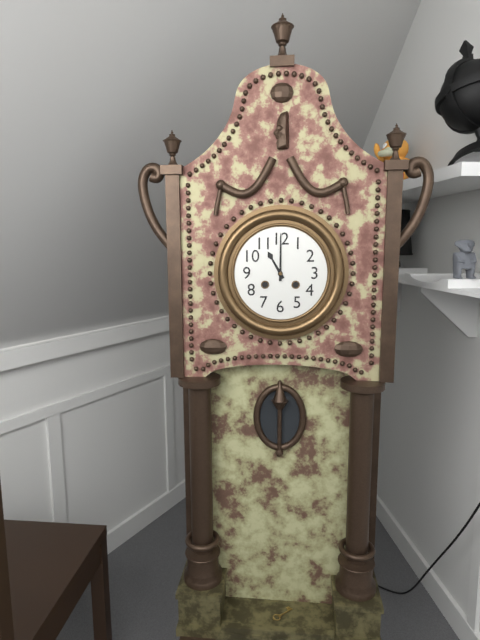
11 h 00 min
